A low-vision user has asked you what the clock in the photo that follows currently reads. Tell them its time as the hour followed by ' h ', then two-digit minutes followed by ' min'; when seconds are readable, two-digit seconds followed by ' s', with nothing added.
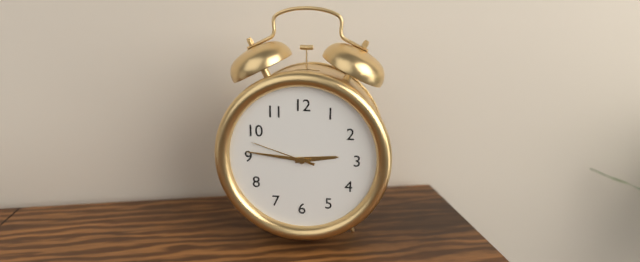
2 h 46 min 48 s
